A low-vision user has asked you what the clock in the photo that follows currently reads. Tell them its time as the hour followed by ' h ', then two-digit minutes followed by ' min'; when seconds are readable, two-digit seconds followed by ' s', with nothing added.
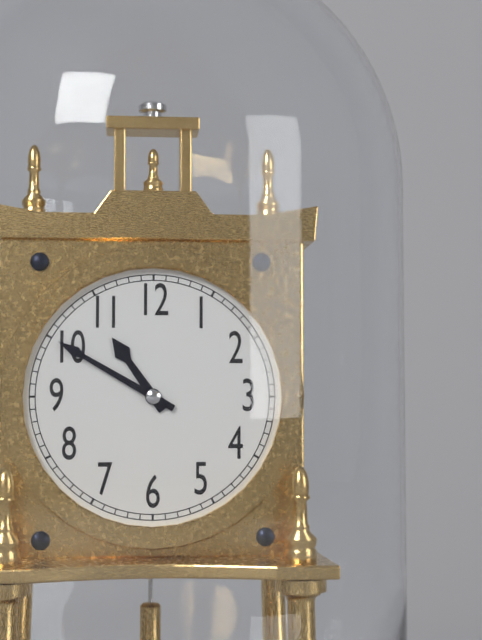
10 h 50 min
